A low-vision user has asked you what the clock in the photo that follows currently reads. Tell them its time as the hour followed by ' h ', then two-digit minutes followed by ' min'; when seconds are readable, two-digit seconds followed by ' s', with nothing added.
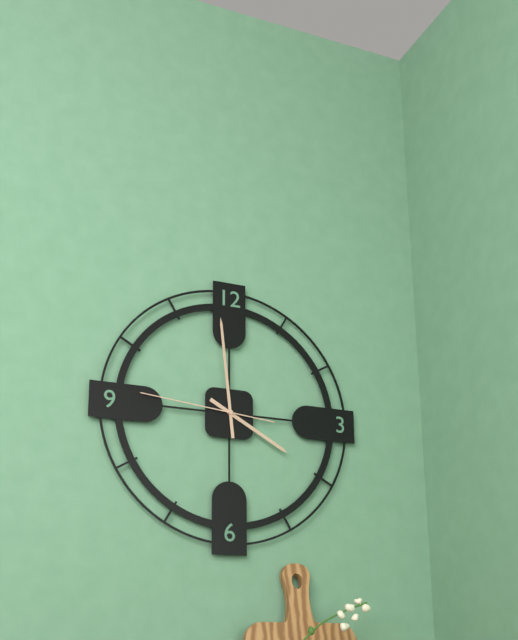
3 h 59 min 46 s
